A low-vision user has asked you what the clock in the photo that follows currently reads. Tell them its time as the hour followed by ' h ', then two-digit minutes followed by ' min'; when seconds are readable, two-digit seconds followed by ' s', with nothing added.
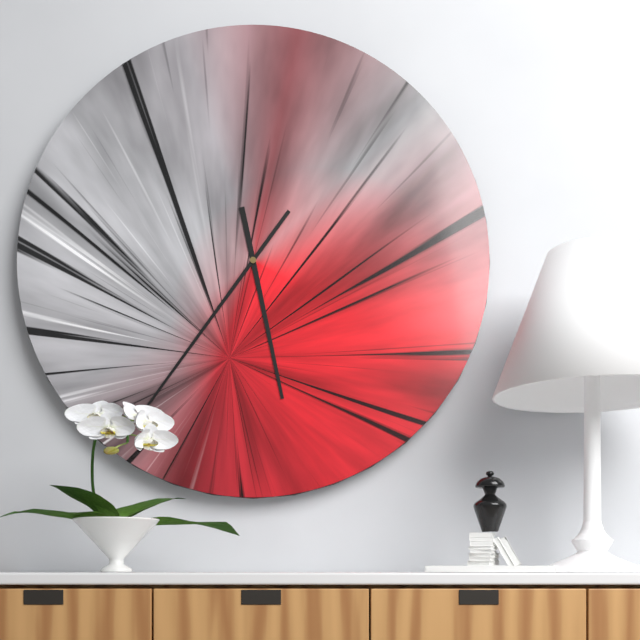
5 h 36 min
